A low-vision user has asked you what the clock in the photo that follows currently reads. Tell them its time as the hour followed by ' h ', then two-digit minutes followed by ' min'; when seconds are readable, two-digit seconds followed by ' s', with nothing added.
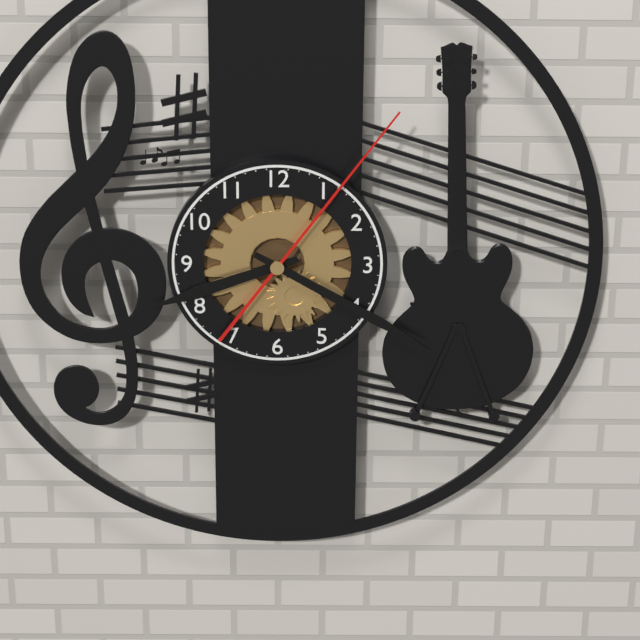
8 h 20 min 06 s
